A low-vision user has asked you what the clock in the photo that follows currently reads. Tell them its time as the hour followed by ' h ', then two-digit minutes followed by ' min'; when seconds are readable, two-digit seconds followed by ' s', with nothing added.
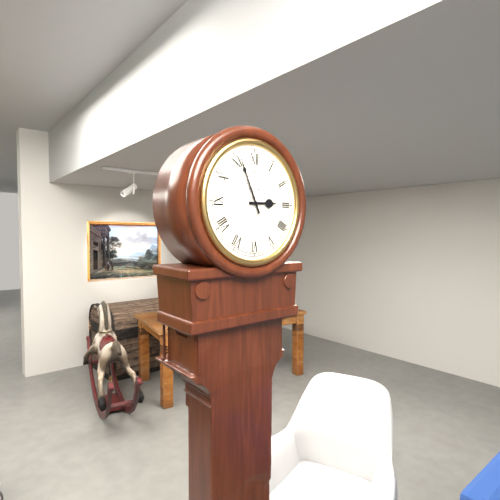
2 h 56 min
